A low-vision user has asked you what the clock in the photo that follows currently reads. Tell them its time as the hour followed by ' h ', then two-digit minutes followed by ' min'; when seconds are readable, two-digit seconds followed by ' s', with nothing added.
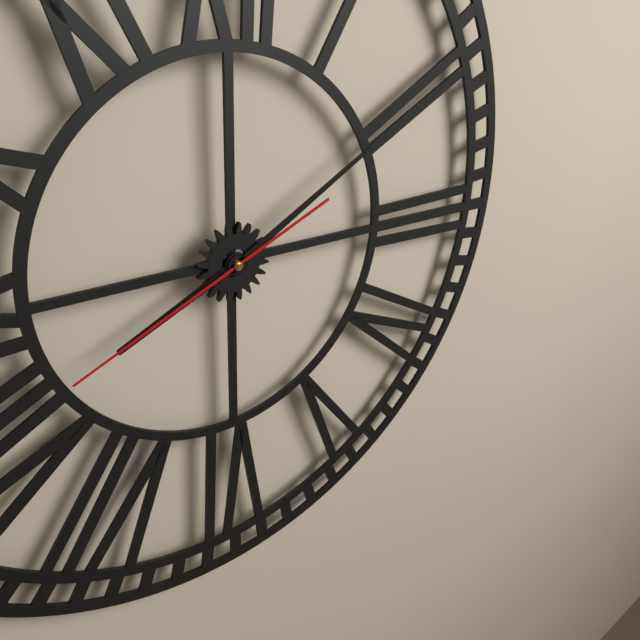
8 h 10 min 41 s
